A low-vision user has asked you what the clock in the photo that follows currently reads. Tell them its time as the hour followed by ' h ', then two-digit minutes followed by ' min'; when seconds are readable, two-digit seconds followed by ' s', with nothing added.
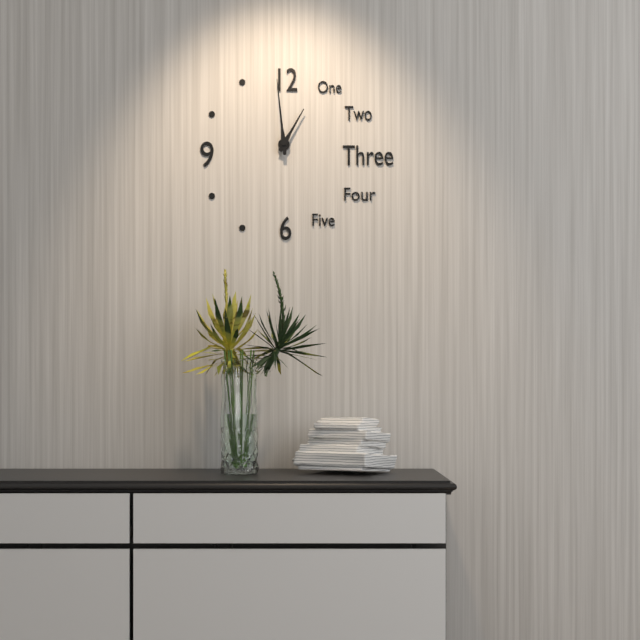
12 h 59 min
